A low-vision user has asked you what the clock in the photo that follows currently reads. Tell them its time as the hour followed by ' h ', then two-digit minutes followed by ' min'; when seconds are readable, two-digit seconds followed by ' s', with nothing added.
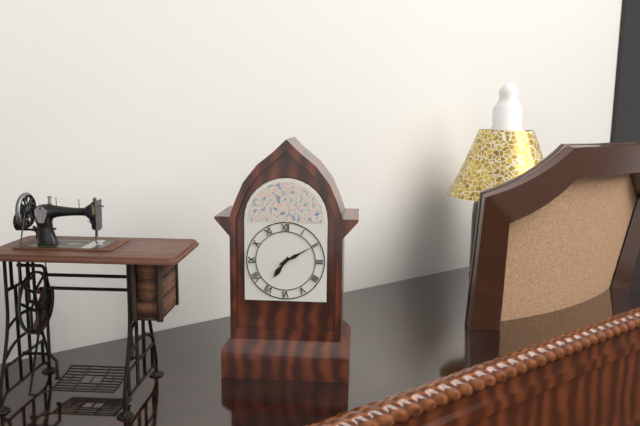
7 h 10 min
